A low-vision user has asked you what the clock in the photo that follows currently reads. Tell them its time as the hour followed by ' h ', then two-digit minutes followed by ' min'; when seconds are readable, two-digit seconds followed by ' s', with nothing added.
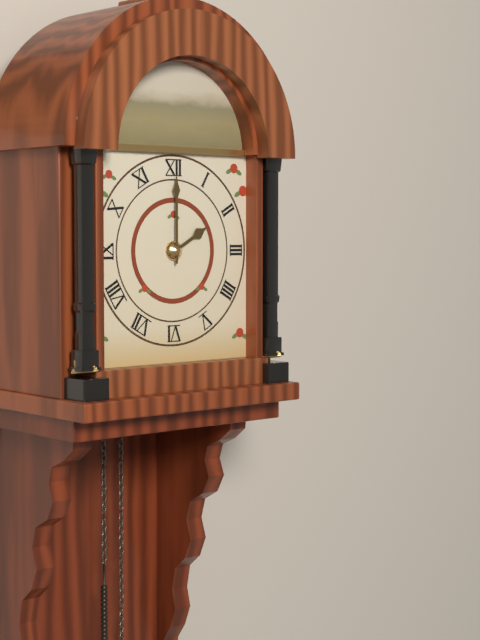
2 h 00 min
